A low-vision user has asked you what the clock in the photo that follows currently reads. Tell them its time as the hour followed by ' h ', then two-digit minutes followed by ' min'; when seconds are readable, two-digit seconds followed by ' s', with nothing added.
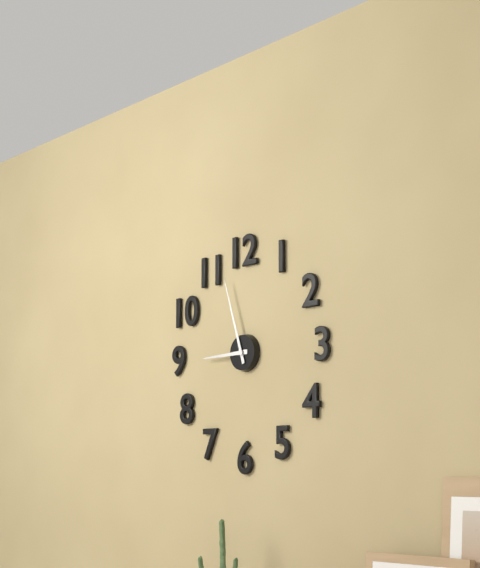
8 h 57 min
